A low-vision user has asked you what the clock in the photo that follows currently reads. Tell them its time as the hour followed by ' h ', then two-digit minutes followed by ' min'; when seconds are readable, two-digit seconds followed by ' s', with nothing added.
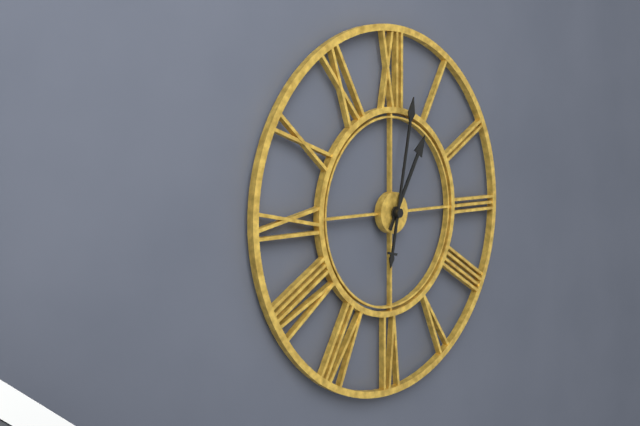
1 h 02 min
